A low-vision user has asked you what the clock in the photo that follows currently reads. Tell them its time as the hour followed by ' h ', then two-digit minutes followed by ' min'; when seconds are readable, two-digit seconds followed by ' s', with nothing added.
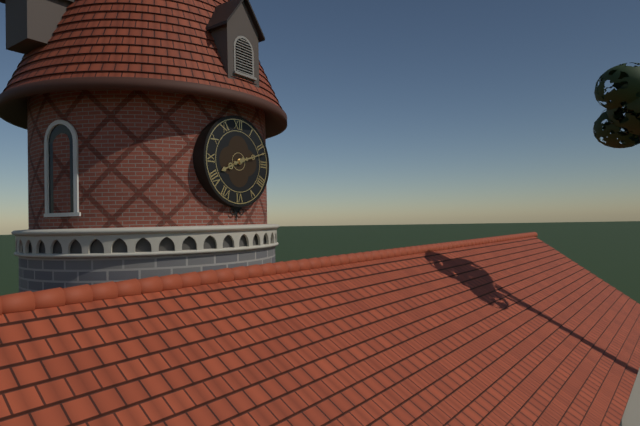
8 h 12 min
